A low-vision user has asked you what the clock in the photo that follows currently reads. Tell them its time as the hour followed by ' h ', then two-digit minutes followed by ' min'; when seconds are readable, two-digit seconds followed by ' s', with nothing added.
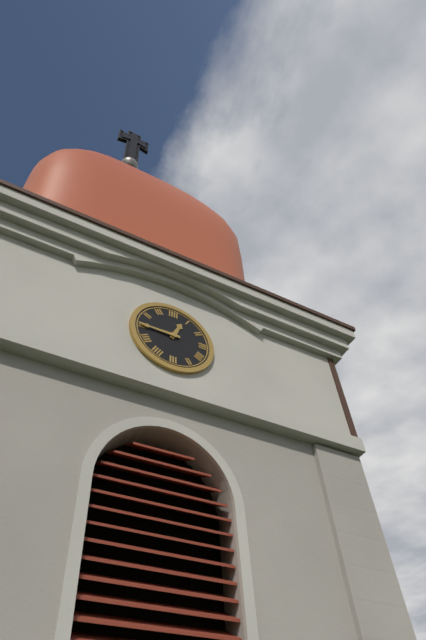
12 h 45 min
